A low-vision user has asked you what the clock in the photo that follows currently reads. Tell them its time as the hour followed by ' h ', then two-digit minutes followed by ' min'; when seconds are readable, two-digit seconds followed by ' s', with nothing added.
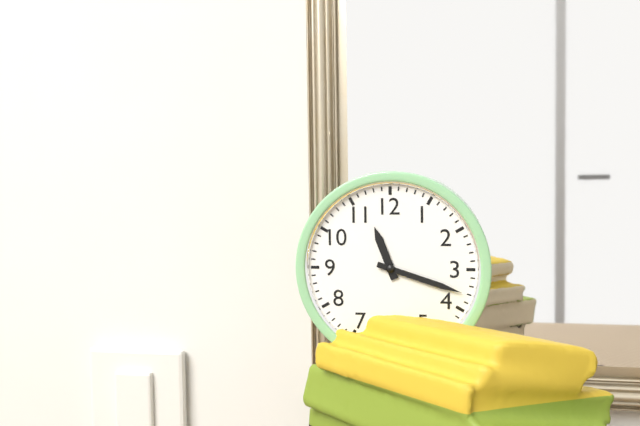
11 h 18 min
